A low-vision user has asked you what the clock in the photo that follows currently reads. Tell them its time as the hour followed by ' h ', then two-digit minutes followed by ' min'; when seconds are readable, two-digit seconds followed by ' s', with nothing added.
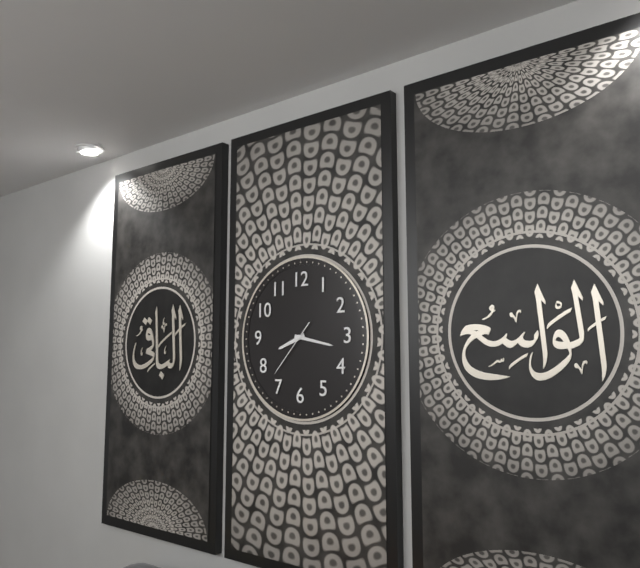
8 h 17 min 37 s
